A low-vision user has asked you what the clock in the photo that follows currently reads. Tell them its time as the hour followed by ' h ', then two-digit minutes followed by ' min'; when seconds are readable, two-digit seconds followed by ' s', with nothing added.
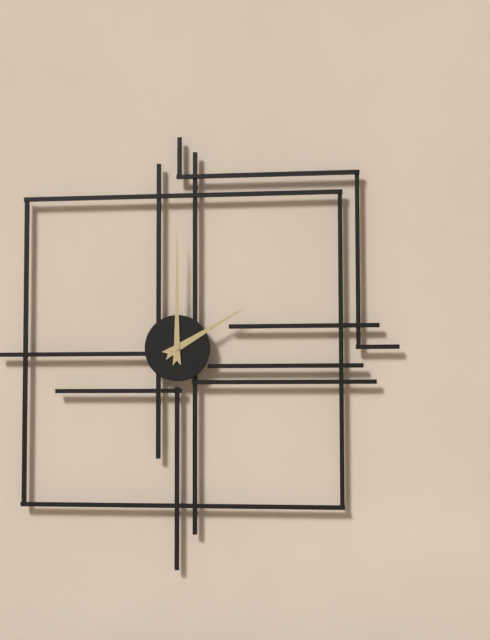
2 h 00 min
